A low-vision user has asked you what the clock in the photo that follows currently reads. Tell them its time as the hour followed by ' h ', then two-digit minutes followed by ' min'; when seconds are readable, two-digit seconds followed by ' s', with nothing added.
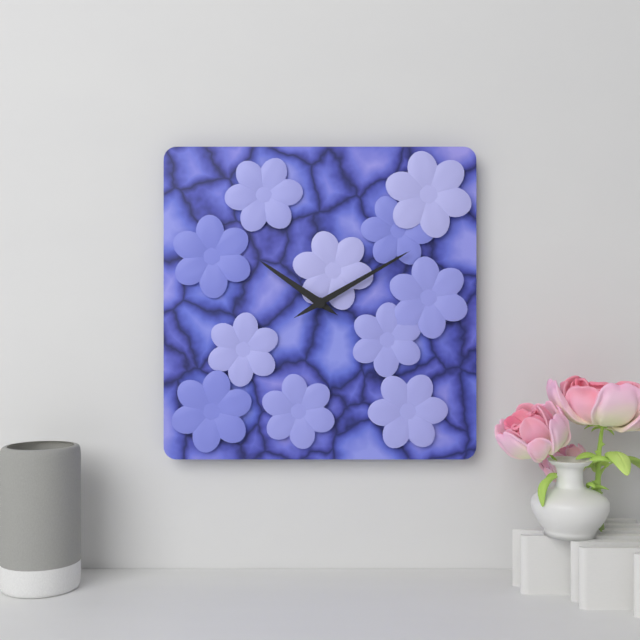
10 h 10 min
